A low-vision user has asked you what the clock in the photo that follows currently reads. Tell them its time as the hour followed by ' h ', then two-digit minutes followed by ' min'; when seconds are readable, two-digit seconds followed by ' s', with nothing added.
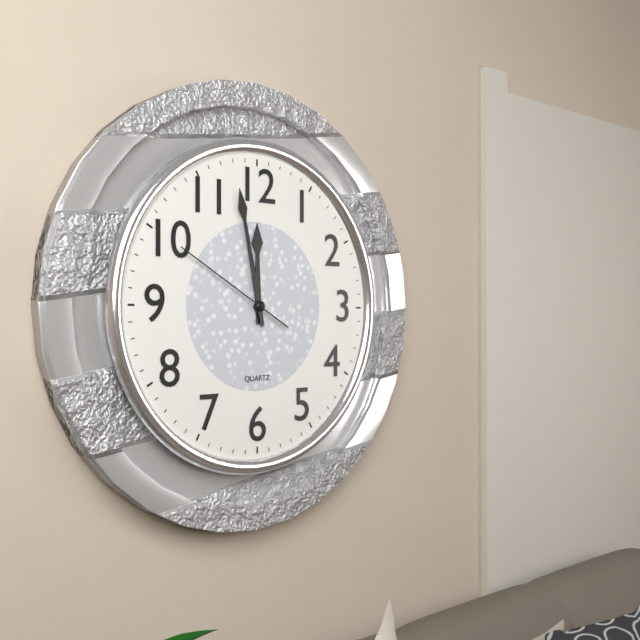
11 h 58 min 50 s
